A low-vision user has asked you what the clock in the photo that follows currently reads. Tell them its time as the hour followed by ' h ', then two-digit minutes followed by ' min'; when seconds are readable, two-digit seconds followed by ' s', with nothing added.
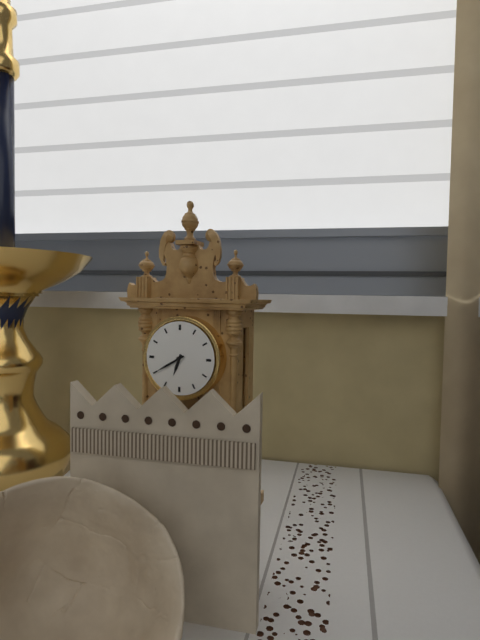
6 h 40 min
